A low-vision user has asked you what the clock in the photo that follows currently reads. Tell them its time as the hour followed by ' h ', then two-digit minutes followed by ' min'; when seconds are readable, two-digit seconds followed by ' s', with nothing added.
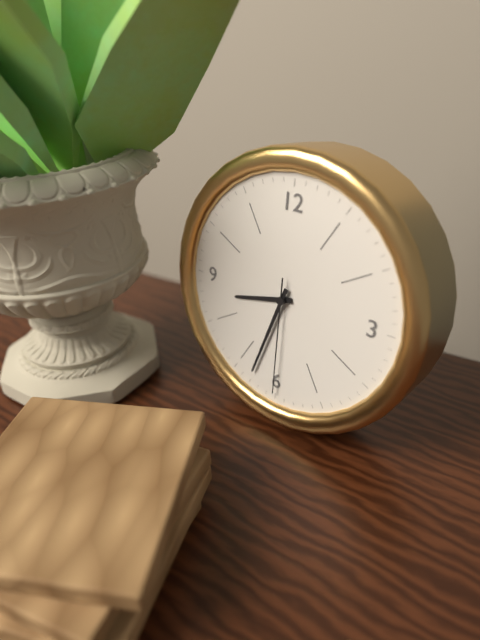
8 h 33 min 30 s
